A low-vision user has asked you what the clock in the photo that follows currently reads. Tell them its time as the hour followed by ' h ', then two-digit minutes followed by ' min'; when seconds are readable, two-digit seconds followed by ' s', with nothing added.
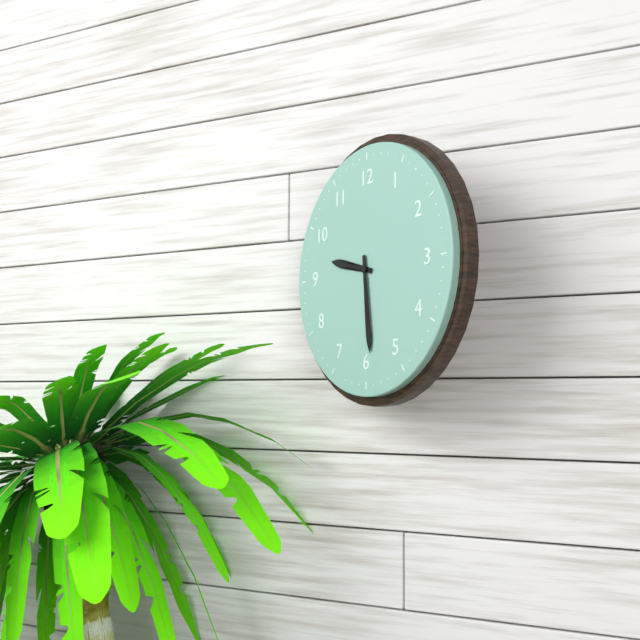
9 h 29 min
